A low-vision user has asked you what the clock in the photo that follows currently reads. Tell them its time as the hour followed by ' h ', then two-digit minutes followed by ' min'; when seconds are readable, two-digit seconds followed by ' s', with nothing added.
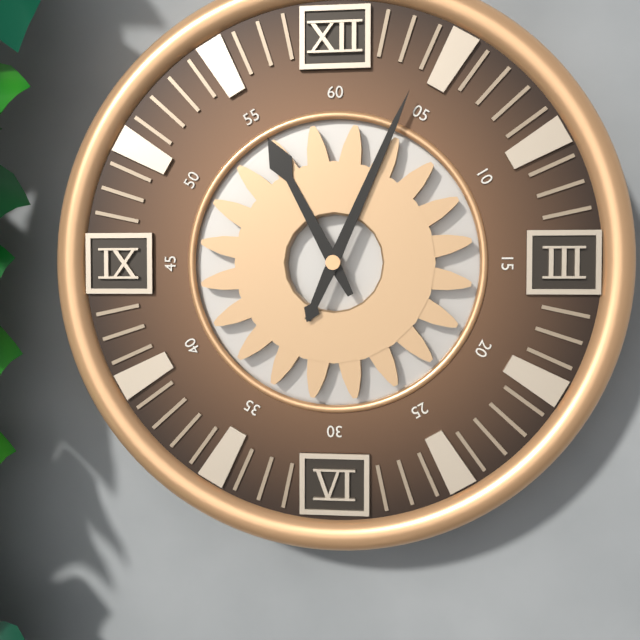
11 h 04 min
